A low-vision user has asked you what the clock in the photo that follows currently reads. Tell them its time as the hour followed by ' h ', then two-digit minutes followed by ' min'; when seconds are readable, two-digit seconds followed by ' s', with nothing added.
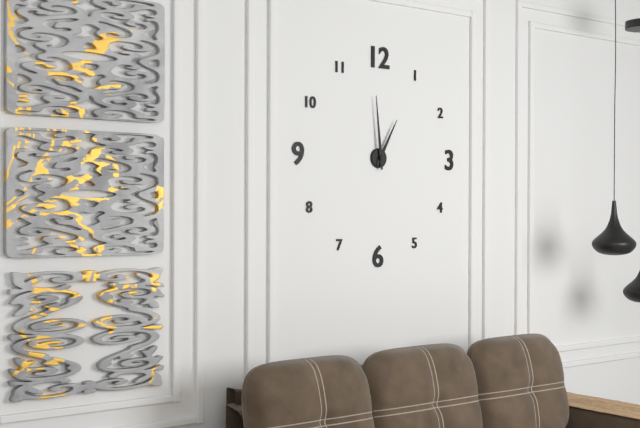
12 h 59 min
